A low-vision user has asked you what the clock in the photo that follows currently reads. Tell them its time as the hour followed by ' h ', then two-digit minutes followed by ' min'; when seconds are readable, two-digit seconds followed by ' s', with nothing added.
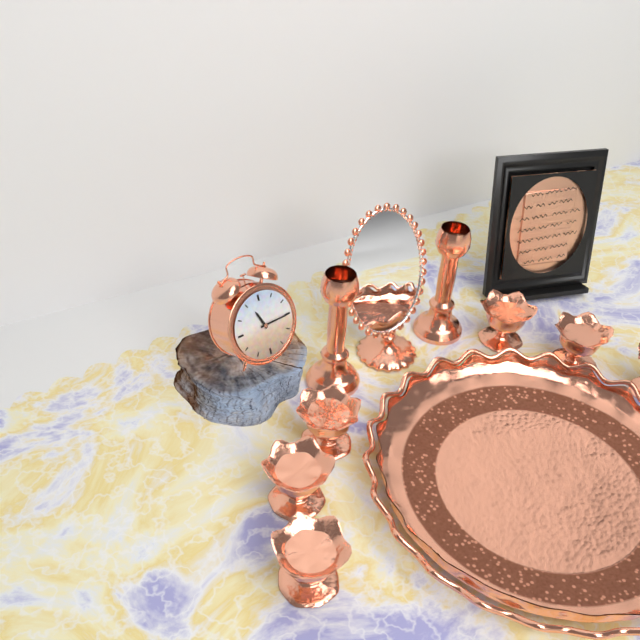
11 h 15 min
